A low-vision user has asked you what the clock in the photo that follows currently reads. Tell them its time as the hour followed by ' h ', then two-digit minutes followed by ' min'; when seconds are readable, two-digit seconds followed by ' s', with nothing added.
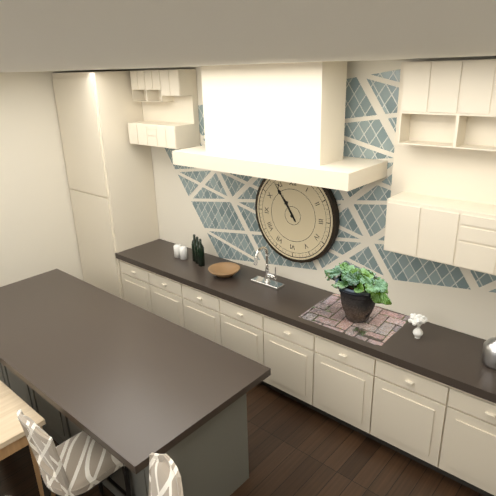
10 h 54 min
